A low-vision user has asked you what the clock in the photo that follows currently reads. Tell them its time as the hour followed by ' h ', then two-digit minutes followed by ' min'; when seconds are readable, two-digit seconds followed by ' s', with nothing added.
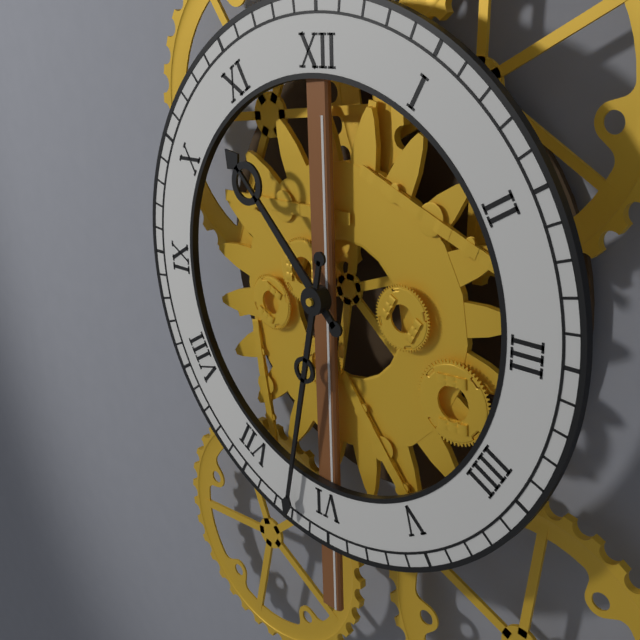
10 h 32 min
